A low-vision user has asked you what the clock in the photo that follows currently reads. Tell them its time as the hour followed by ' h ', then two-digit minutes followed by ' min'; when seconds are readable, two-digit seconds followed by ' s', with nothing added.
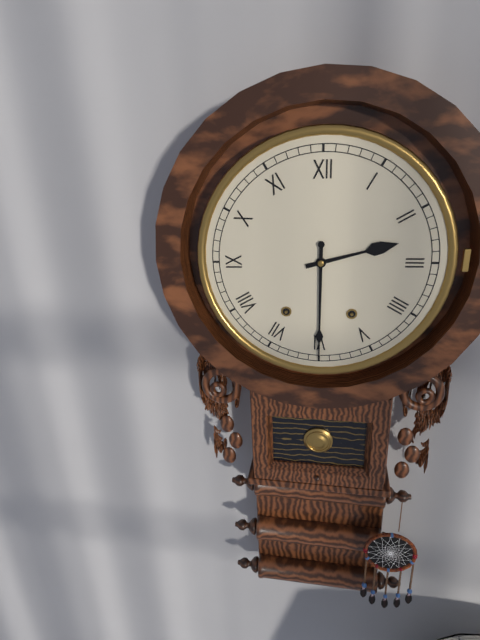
2 h 30 min
